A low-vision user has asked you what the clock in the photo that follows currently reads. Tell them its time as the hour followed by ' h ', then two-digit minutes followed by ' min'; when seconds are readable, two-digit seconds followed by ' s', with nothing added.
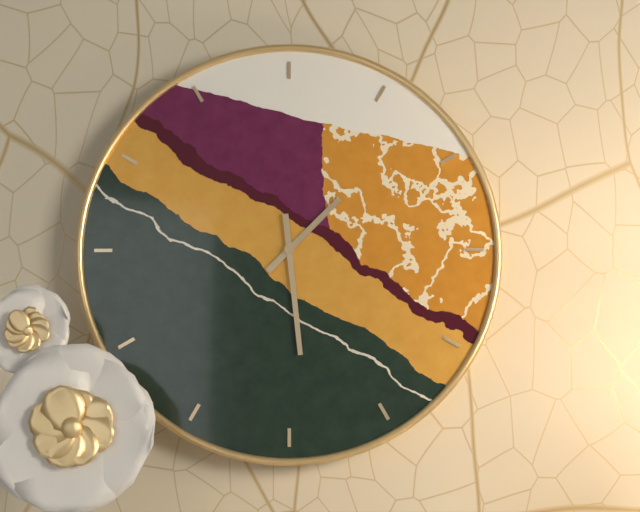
1 h 29 min
